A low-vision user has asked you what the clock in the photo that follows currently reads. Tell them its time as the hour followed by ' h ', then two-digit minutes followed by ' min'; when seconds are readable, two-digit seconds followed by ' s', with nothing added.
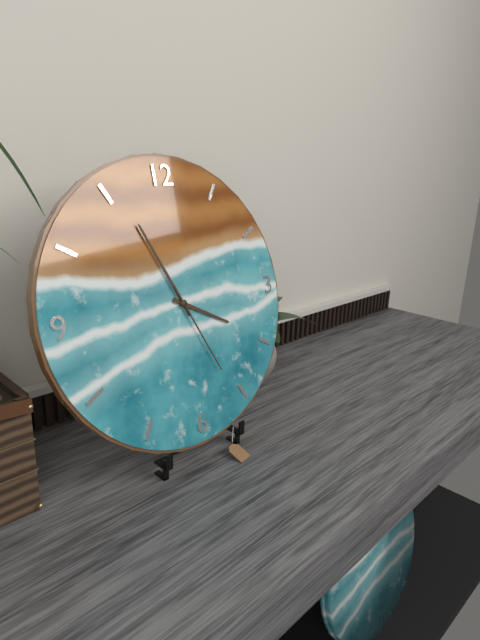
3 h 56 min 26 s
